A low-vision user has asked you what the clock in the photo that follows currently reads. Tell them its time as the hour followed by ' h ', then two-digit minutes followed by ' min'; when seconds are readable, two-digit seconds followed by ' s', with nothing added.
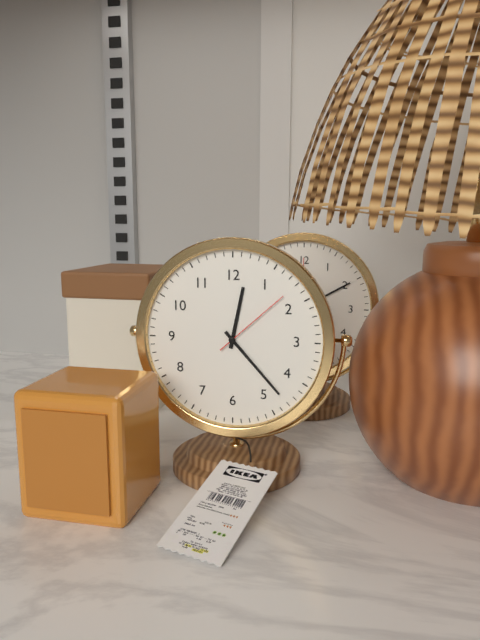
12 h 23 min 08 s
